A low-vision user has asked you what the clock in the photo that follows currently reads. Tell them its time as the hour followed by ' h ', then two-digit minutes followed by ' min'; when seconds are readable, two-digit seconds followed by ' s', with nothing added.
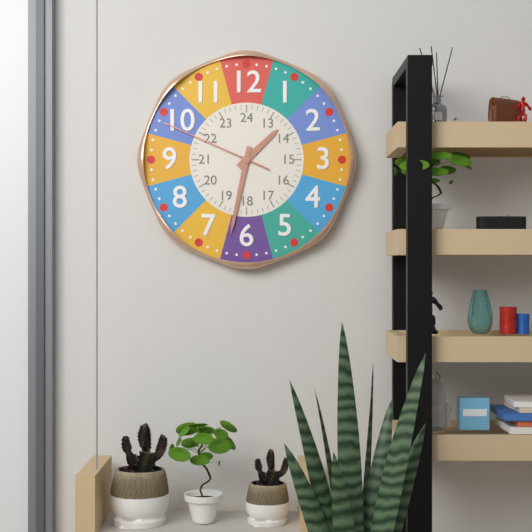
1 h 32 min 49 s
